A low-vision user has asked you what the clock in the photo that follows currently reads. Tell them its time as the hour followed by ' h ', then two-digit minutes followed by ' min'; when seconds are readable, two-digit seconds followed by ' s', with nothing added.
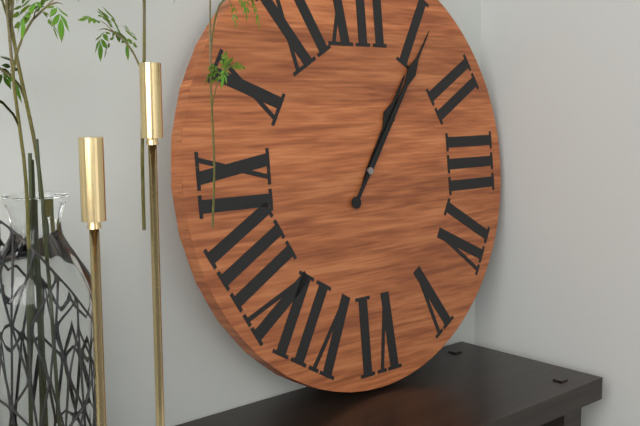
1 h 06 min
